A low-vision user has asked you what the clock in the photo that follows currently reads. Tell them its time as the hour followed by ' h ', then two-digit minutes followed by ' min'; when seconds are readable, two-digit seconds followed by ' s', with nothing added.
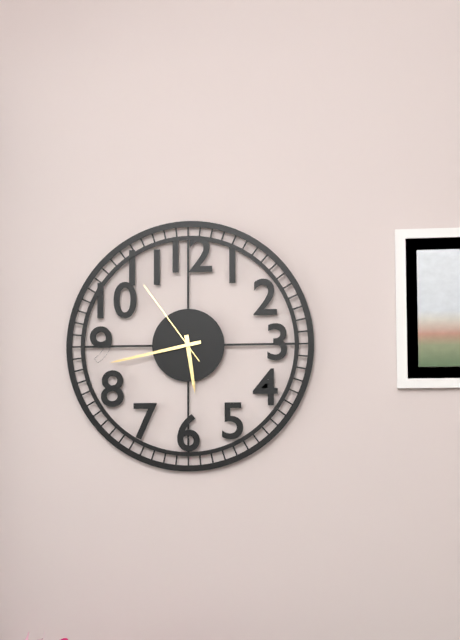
5 h 43 min 54 s
